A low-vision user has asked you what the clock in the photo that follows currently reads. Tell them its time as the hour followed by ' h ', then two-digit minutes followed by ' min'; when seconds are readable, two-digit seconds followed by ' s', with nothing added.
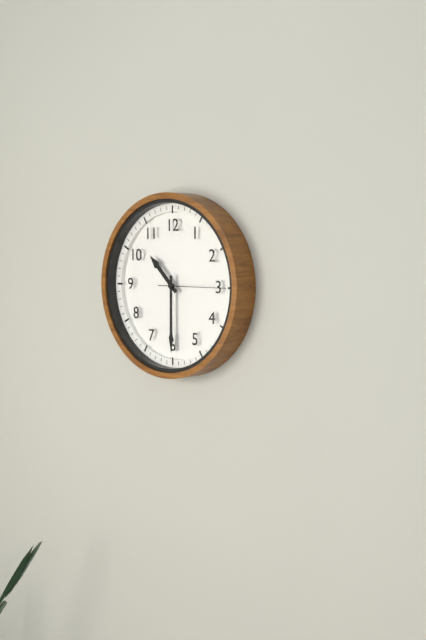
10 h 30 min 15 s
